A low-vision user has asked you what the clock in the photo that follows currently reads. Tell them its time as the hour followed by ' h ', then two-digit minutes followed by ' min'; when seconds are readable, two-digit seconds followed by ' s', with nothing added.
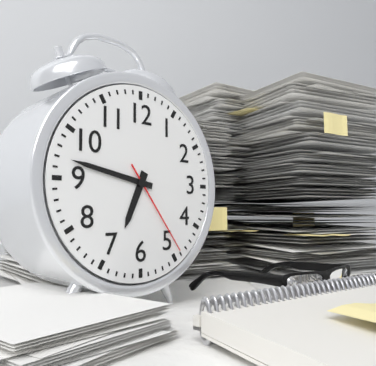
6 h 47 min 24 s
